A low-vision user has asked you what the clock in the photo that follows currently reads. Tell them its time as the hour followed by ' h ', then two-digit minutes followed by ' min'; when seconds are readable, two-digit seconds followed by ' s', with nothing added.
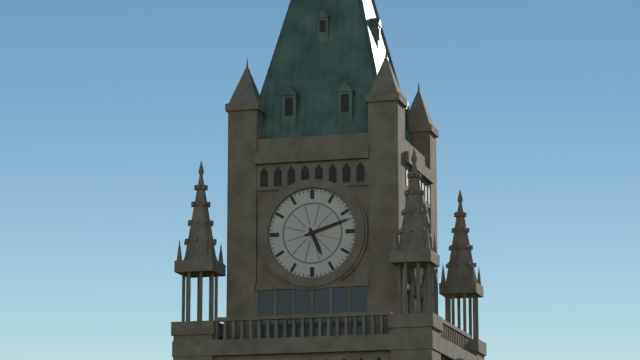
5 h 12 min
